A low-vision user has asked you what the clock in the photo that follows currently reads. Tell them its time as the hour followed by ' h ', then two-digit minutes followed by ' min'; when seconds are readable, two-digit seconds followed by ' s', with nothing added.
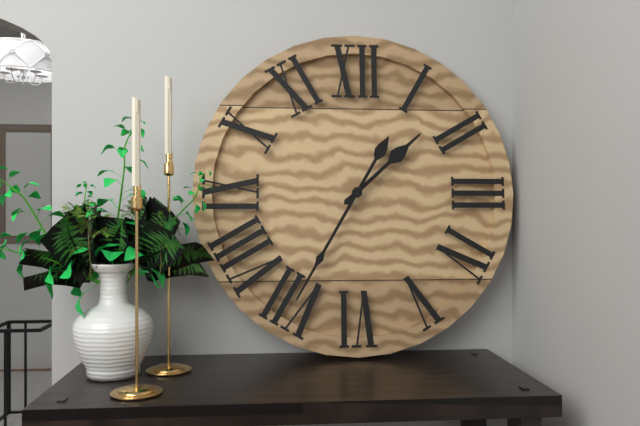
1 h 35 min
